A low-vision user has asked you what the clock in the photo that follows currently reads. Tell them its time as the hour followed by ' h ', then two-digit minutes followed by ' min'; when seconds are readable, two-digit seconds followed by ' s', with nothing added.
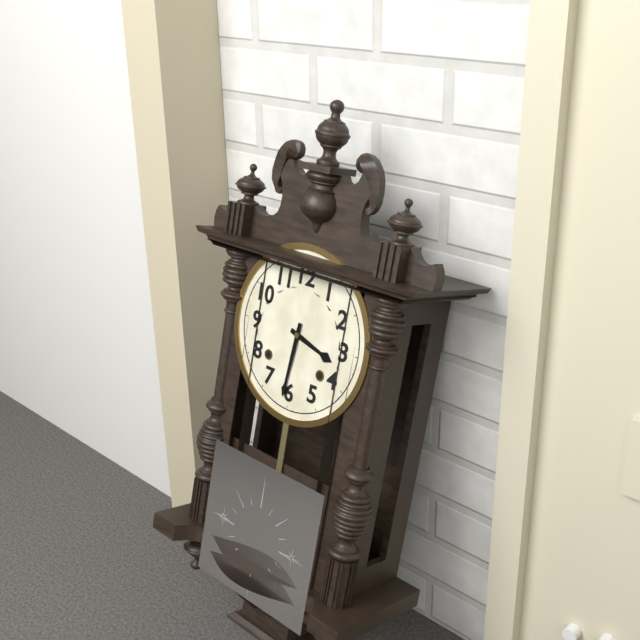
3 h 31 min
